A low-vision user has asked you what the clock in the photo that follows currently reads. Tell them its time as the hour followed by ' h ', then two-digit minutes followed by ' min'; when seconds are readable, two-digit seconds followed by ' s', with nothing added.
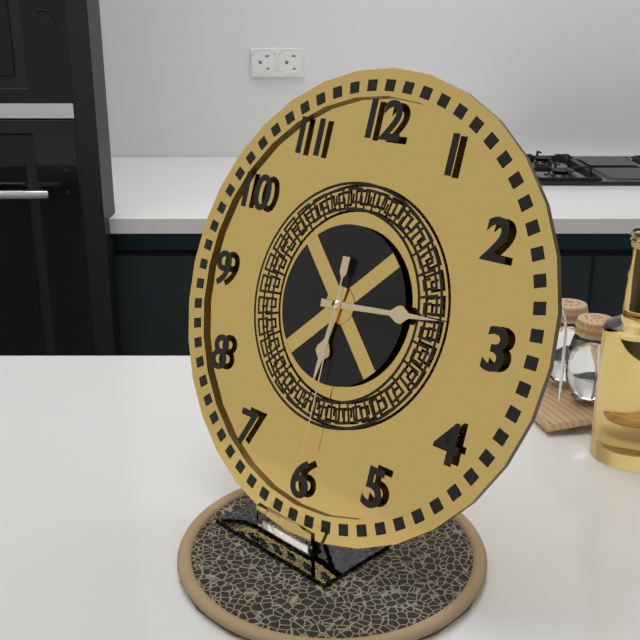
6 h 14 min 30 s
